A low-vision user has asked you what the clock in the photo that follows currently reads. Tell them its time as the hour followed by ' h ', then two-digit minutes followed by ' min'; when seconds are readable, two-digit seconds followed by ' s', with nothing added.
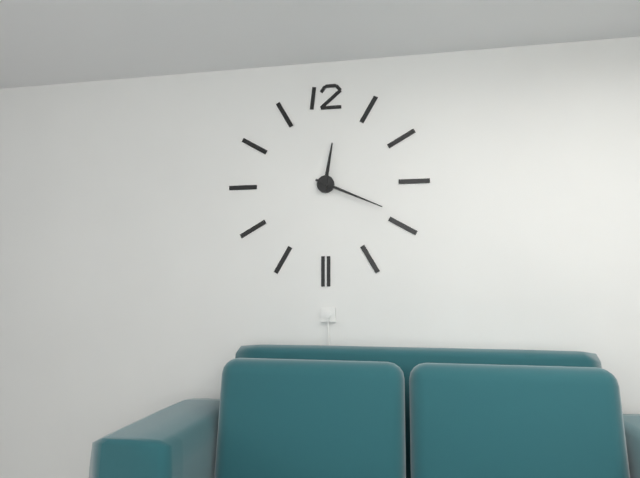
12 h 19 min
